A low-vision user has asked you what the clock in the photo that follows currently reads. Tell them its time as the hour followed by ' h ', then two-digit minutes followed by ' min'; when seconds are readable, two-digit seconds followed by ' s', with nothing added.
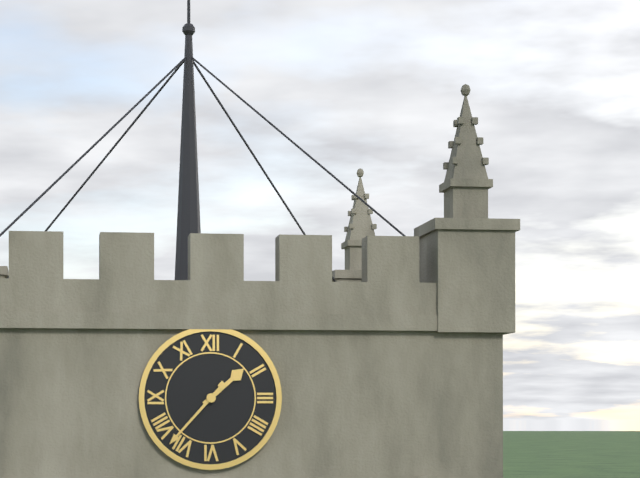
1 h 37 min
